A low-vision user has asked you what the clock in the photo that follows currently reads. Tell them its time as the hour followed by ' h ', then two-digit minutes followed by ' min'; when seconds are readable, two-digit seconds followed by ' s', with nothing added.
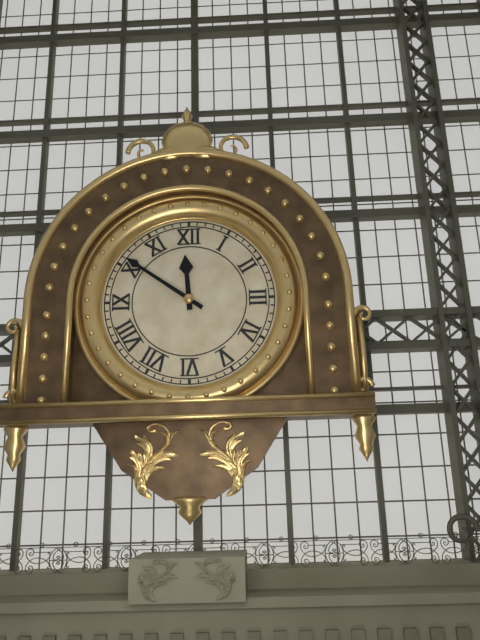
11 h 51 min
